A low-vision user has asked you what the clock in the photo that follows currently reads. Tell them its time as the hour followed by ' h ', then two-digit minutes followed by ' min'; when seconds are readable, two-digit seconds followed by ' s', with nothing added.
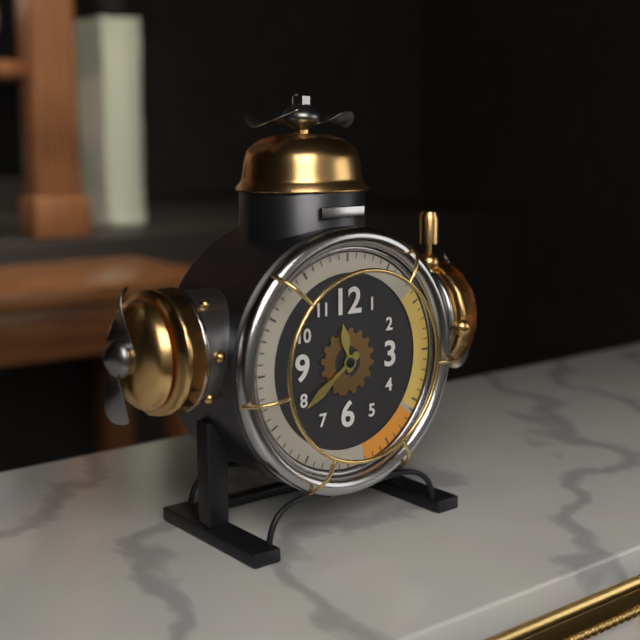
11 h 39 min
